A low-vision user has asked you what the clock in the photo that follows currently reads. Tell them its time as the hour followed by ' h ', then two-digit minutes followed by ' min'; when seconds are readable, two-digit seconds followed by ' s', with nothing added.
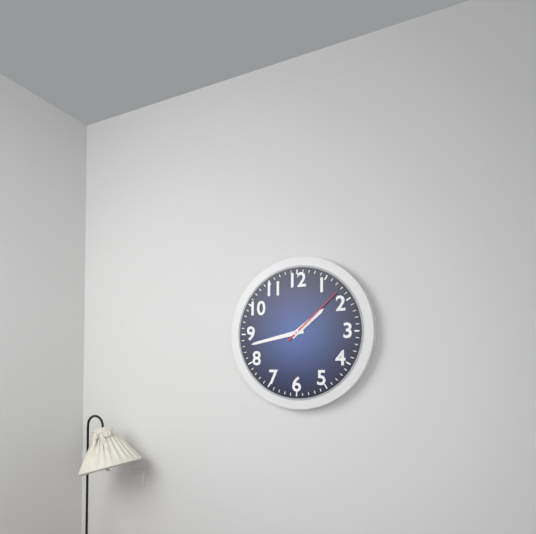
1 h 43 min 08 s
